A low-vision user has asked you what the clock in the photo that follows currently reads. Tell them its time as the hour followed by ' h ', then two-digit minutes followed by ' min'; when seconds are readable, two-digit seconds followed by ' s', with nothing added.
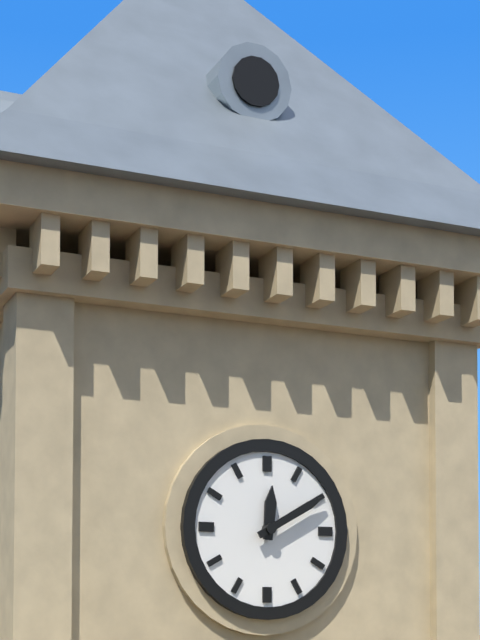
12 h 10 min
